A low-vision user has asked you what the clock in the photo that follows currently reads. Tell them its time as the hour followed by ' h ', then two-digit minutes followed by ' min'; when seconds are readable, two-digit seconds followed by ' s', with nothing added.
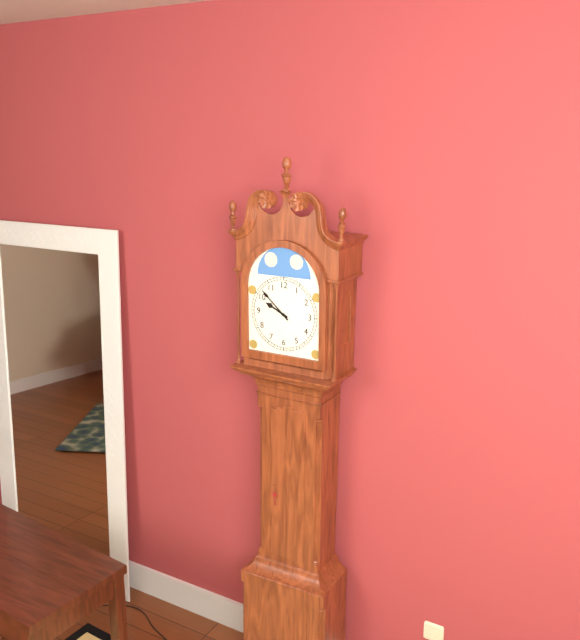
9 h 52 min
